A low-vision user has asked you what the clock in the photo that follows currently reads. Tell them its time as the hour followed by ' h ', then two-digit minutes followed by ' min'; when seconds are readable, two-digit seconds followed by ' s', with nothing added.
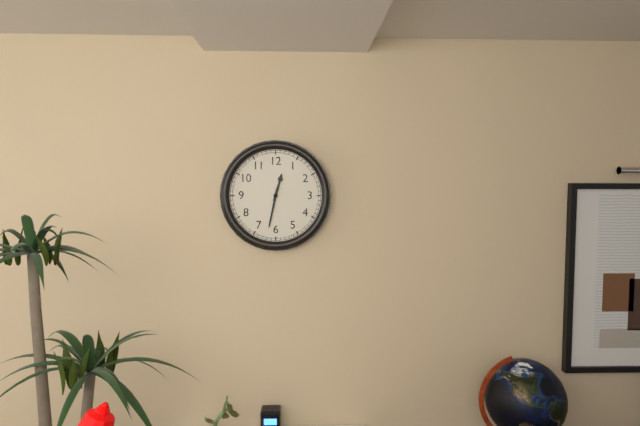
12 h 32 min
